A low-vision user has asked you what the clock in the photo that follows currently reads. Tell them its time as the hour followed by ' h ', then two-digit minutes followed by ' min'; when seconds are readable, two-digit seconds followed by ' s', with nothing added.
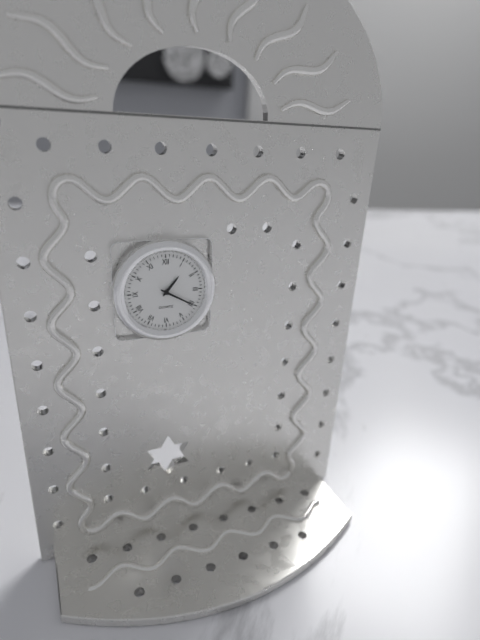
1 h 20 min
